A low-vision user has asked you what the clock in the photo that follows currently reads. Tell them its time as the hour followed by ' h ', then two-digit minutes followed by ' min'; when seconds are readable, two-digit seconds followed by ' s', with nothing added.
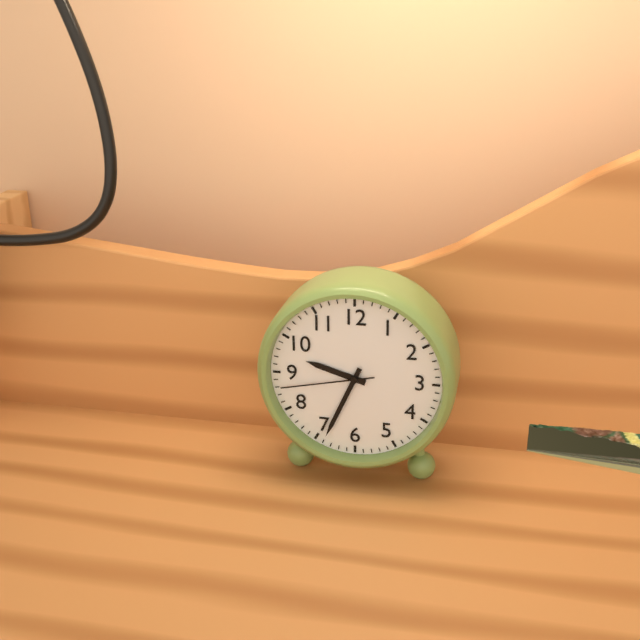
9 h 34 min 43 s
